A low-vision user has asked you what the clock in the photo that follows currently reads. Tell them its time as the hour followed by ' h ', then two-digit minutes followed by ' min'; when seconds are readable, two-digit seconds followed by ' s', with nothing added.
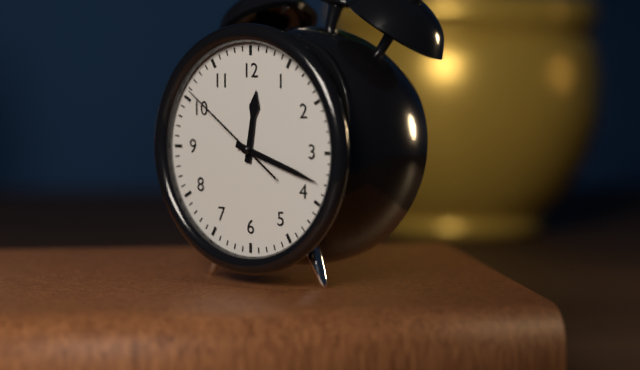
12 h 18 min 51 s
